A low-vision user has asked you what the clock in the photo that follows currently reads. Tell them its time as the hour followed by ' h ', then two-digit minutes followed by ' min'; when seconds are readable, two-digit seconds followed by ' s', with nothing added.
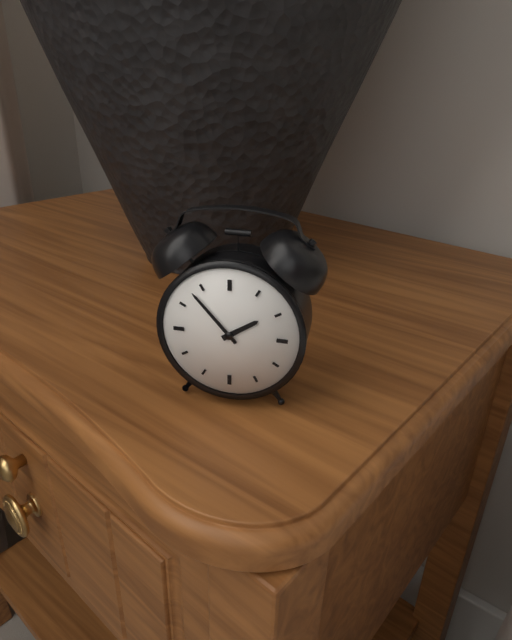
1 h 53 min
